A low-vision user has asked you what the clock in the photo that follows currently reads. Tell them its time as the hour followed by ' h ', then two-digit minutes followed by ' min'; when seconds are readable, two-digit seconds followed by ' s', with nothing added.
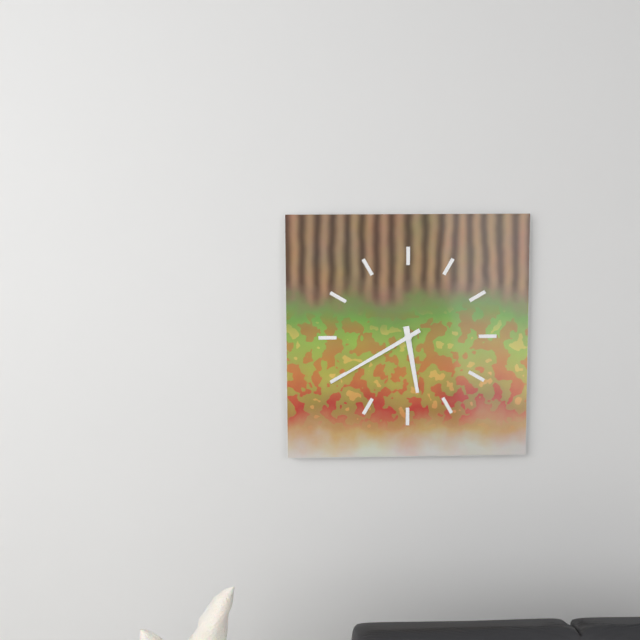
5 h 40 min
